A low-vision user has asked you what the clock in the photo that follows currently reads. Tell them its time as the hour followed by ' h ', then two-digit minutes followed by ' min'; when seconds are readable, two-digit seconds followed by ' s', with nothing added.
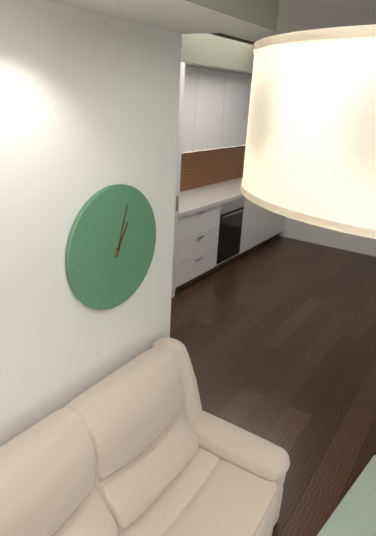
1 h 03 min
